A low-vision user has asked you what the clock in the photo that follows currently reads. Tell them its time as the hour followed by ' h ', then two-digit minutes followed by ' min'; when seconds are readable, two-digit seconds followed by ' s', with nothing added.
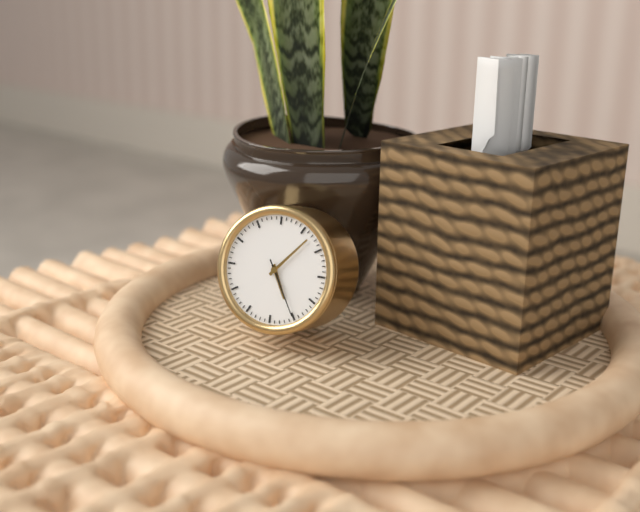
5 h 07 min 25 s
